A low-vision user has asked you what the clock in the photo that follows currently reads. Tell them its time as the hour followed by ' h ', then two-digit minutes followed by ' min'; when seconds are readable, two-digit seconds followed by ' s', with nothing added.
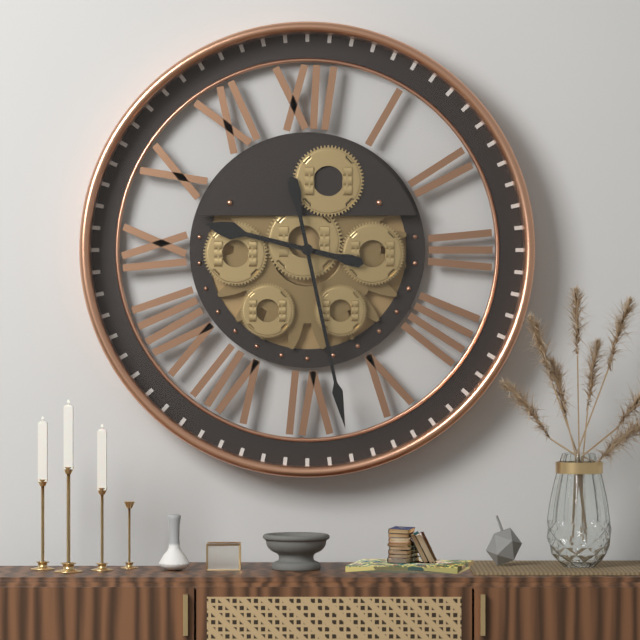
9 h 28 min
